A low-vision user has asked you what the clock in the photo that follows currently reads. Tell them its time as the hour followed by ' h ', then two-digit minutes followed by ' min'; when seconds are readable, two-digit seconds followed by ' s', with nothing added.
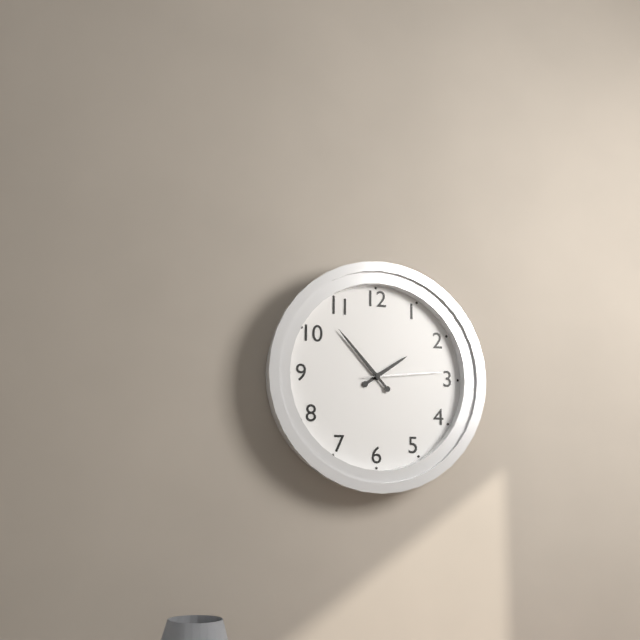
1 h 53 min 14 s
